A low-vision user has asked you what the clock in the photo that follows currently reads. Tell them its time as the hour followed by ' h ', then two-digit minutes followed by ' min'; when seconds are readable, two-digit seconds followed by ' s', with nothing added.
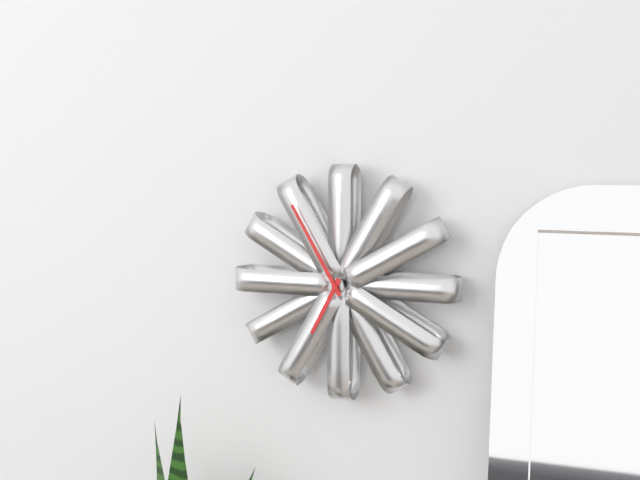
6 h 55 min
